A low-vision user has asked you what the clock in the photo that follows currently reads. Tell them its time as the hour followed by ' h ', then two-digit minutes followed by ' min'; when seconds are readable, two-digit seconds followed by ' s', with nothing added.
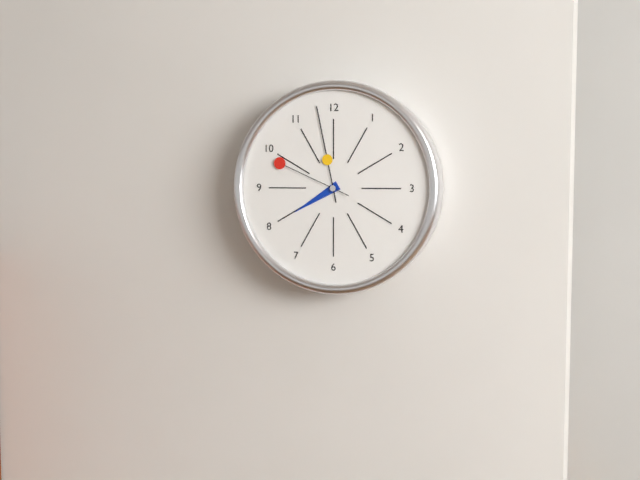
7 h 58 min 49 s
